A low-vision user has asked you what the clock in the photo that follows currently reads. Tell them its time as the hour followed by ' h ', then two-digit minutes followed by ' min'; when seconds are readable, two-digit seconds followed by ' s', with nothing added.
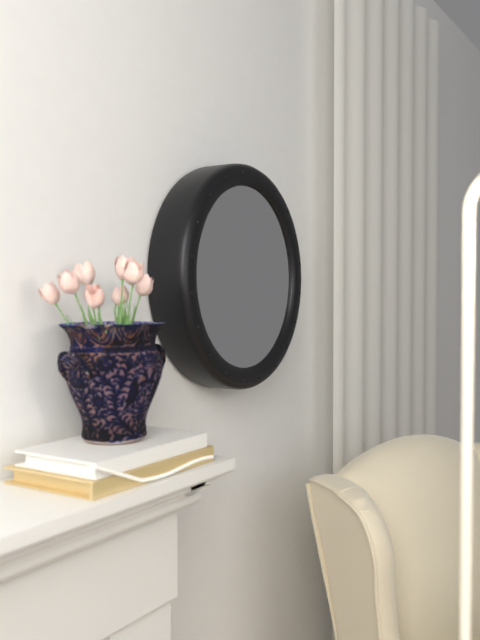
2 h 12 min
